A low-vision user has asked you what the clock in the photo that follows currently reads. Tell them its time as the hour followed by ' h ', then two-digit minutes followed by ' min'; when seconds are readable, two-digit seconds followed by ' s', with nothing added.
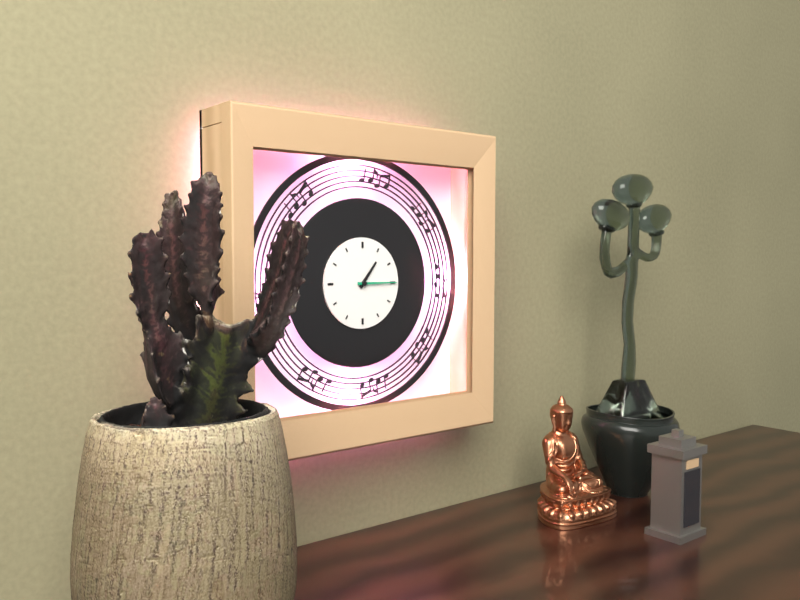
1 h 15 min
